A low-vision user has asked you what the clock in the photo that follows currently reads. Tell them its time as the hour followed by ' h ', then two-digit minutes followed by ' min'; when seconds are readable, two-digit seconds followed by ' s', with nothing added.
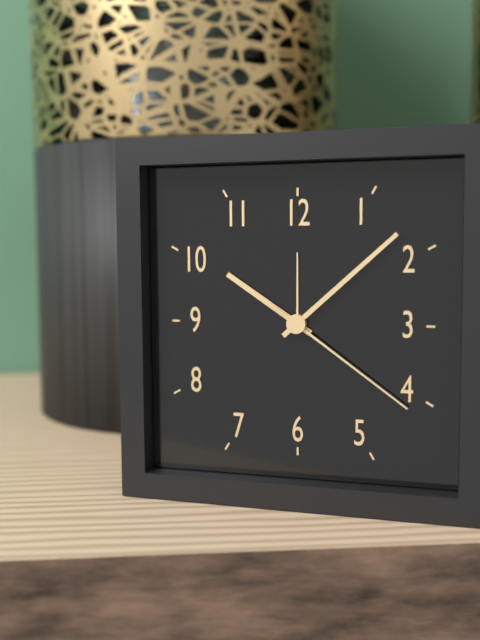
10 h 08 min 21 s
